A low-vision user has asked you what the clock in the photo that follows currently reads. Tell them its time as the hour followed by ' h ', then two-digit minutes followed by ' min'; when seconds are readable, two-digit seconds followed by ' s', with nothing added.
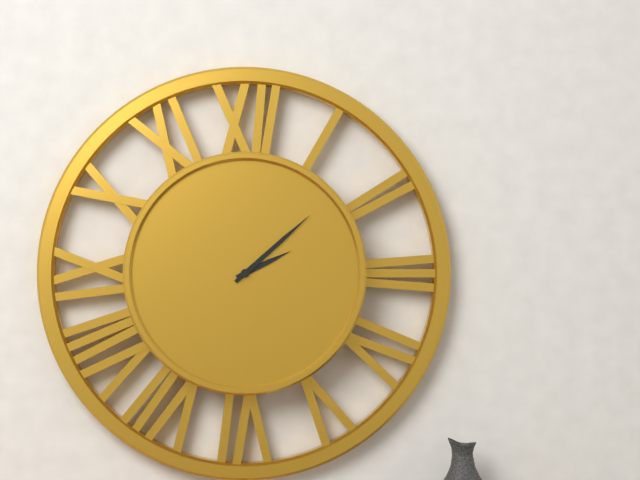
2 h 08 min
